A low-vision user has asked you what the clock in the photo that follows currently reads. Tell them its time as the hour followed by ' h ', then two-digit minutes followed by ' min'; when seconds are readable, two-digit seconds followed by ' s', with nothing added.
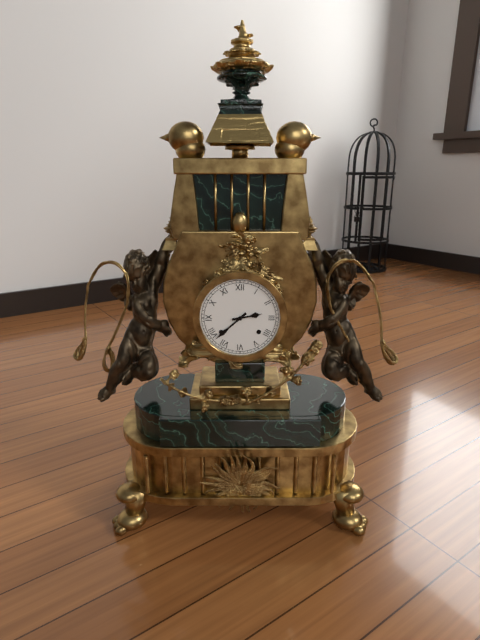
2 h 38 min
